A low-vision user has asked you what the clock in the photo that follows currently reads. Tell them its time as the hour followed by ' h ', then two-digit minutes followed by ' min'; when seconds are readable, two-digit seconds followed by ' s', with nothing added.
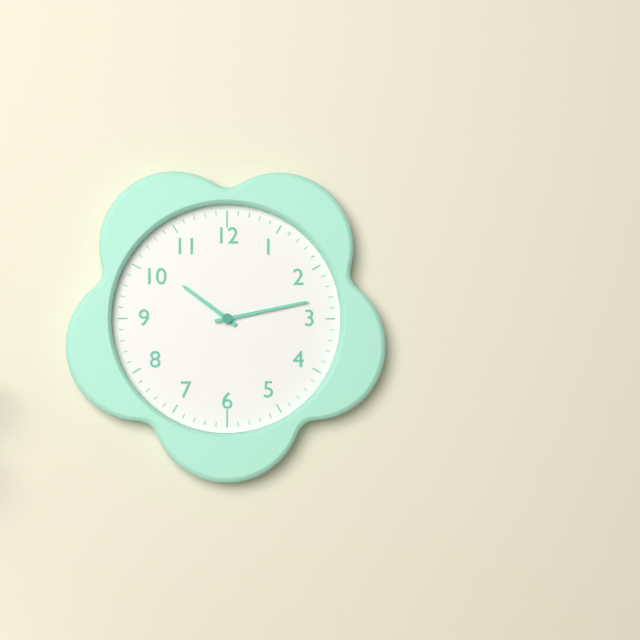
10 h 13 min
